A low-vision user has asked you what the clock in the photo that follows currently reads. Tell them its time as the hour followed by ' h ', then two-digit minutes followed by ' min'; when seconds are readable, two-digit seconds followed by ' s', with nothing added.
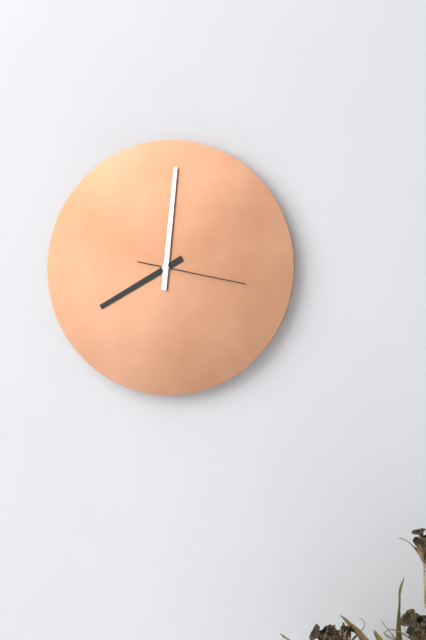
8 h 01 min 17 s
